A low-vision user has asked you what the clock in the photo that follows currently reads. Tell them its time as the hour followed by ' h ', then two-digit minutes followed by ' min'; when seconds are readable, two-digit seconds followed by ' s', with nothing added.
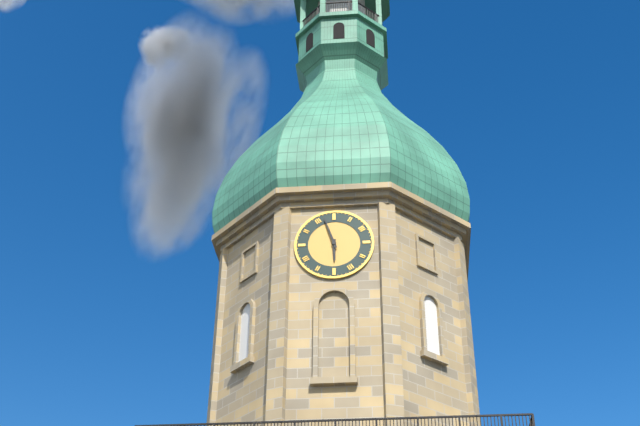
5 h 57 min
